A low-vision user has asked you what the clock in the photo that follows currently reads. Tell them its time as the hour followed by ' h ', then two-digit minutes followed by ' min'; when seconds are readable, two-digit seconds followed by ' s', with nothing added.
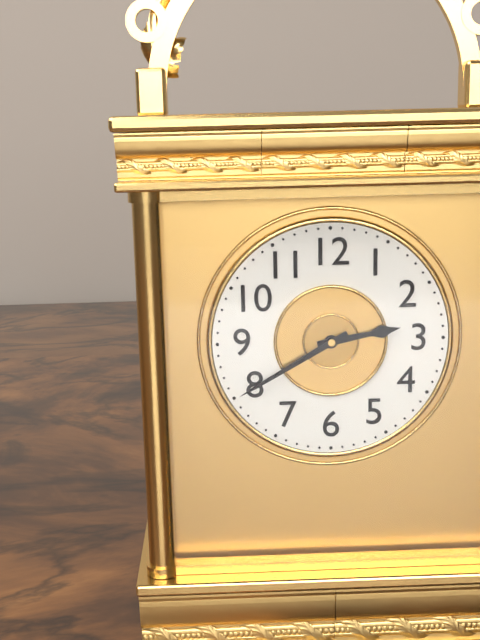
2 h 40 min
